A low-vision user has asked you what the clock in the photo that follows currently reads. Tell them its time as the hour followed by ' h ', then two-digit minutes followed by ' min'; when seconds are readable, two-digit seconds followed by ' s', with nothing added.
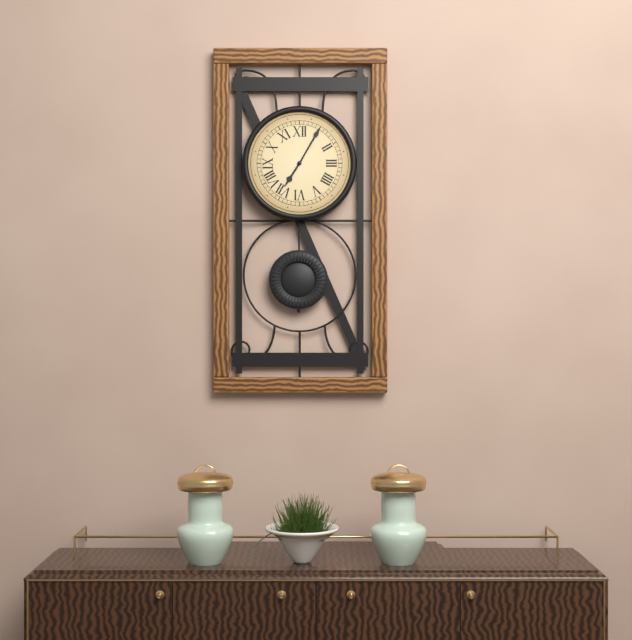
7 h 05 min
